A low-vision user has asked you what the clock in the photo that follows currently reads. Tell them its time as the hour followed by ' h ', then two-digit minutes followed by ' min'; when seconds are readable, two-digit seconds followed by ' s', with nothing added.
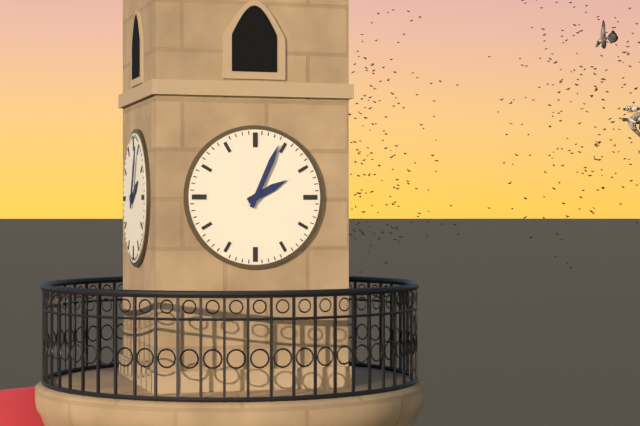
2 h 04 min
